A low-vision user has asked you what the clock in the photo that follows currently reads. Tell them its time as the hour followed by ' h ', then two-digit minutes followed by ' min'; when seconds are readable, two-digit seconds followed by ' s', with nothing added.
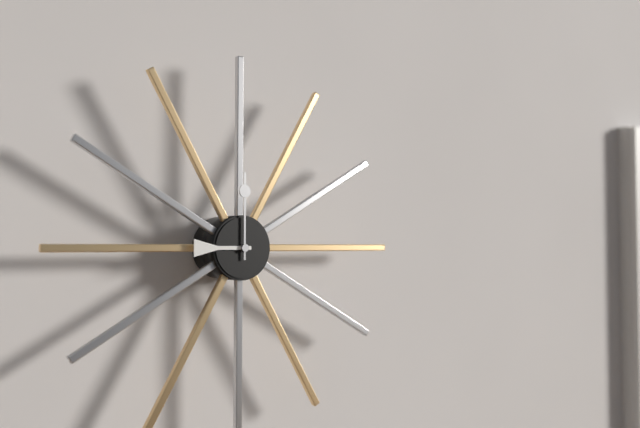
9 h 00 min
